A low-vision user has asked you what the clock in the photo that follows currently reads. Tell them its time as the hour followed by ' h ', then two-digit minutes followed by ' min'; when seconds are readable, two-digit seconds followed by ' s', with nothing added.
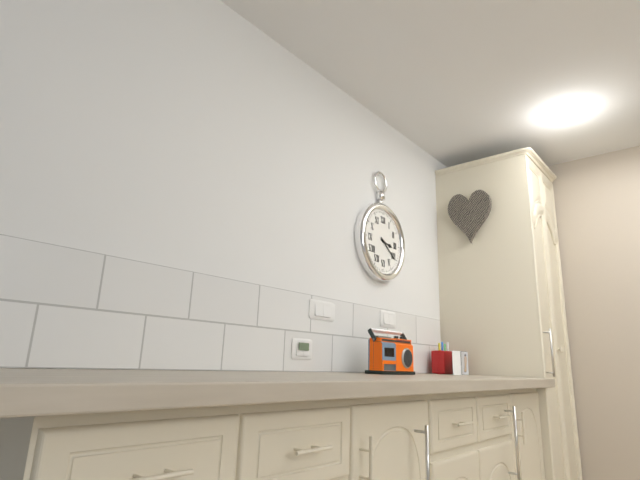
3 h 21 min
